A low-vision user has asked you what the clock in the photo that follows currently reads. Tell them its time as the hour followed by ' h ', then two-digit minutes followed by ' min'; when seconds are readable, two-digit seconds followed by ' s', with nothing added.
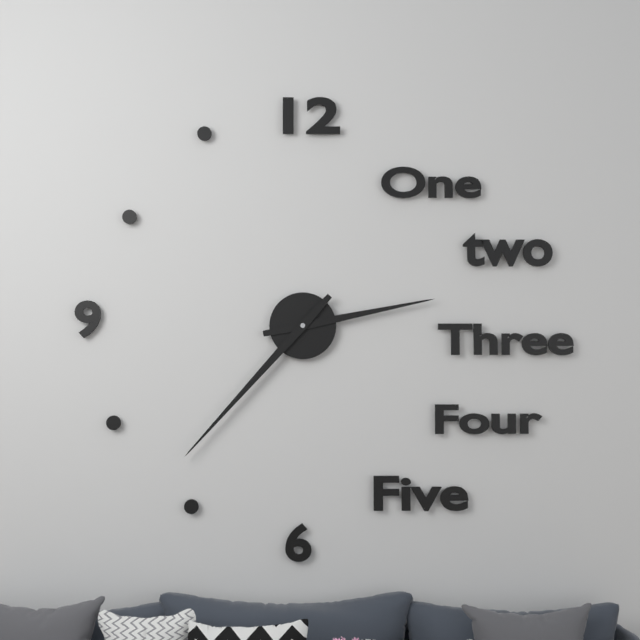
2 h 37 min
